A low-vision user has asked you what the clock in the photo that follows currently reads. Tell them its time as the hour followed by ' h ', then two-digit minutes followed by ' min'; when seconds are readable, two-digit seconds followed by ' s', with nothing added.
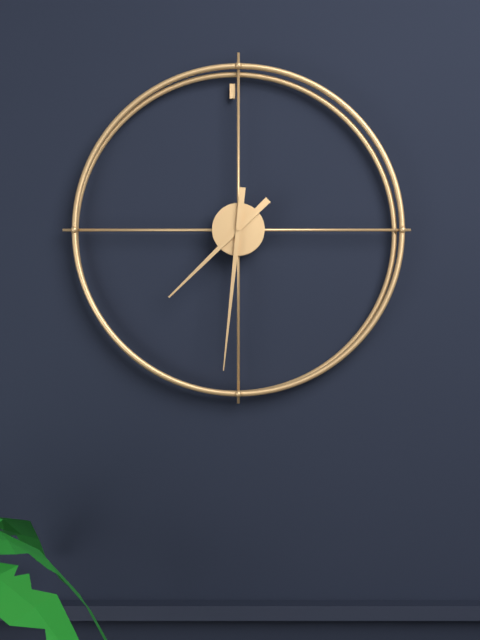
7 h 31 min
